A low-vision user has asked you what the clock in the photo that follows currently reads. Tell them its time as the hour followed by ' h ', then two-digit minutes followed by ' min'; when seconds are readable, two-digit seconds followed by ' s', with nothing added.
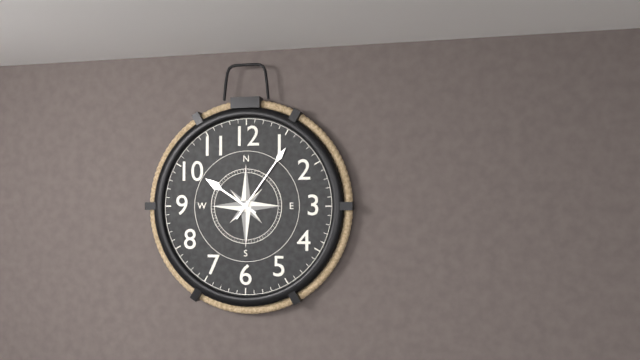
10 h 06 min
